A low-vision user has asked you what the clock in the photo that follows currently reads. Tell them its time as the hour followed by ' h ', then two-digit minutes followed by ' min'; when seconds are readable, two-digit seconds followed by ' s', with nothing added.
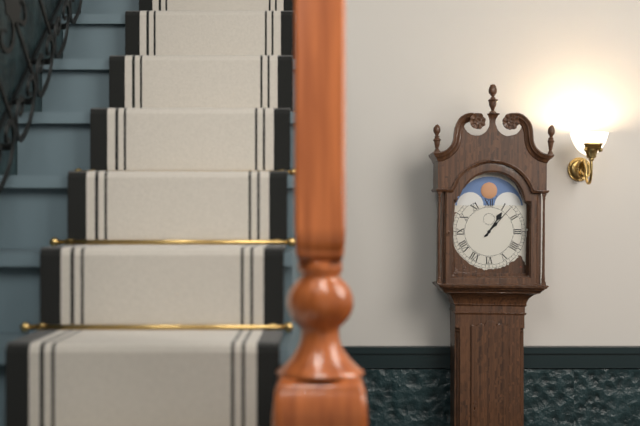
1 h 07 min
